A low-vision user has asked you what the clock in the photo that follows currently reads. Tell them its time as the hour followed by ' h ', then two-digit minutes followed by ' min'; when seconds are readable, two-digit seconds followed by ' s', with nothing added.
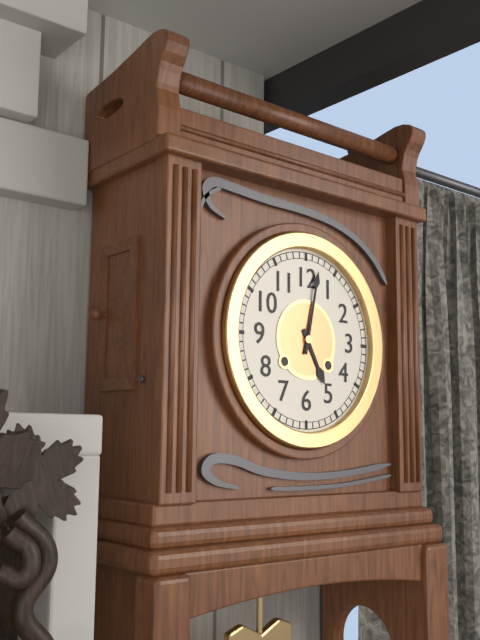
5 h 02 min
